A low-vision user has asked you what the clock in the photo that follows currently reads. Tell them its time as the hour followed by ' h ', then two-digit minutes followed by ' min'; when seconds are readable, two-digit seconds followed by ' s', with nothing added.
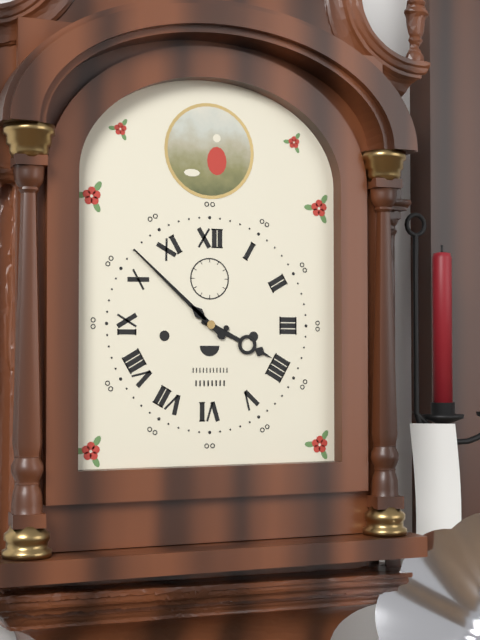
3 h 52 min
